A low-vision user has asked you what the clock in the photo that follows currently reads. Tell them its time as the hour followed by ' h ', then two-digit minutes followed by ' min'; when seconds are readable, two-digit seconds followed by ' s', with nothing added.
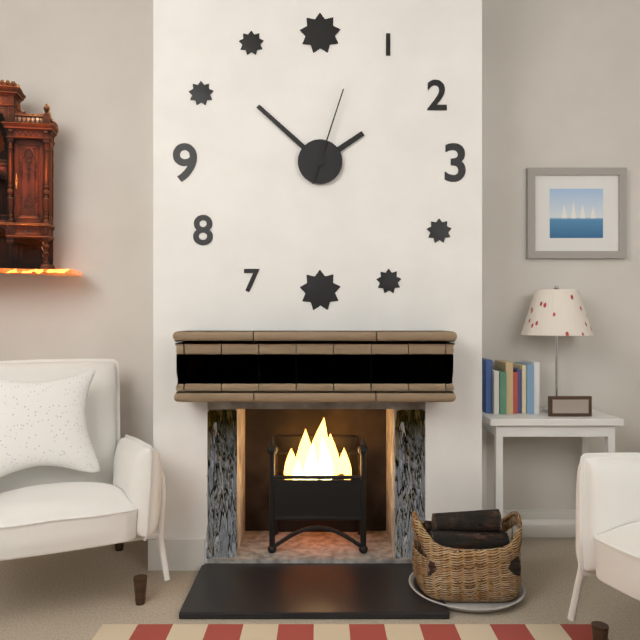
1 h 52 min 03 s
